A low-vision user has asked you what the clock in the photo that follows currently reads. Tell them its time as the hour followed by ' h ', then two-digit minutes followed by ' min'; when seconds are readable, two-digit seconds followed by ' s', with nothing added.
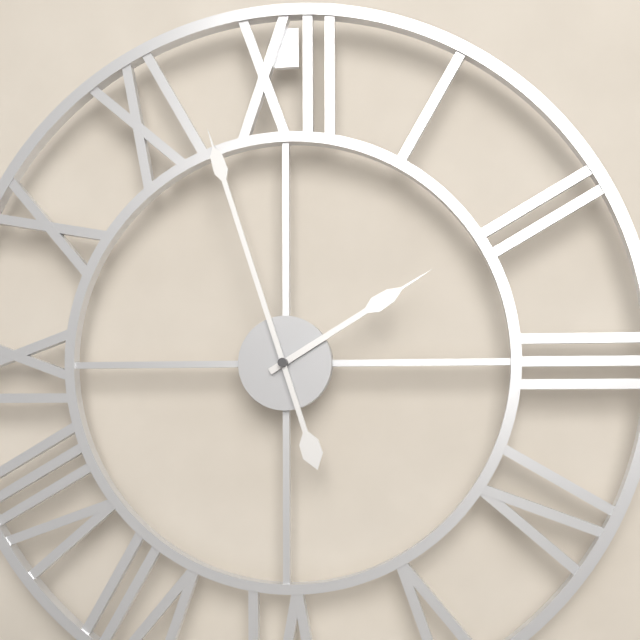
1 h 57 min
